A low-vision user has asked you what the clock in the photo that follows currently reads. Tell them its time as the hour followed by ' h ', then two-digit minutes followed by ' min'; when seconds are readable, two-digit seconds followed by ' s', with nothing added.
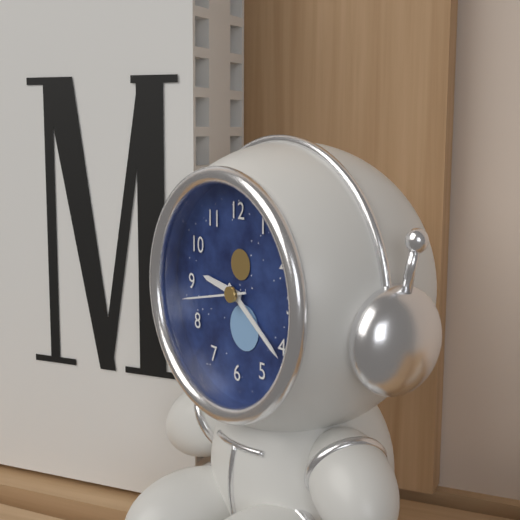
9 h 21 min 43 s
